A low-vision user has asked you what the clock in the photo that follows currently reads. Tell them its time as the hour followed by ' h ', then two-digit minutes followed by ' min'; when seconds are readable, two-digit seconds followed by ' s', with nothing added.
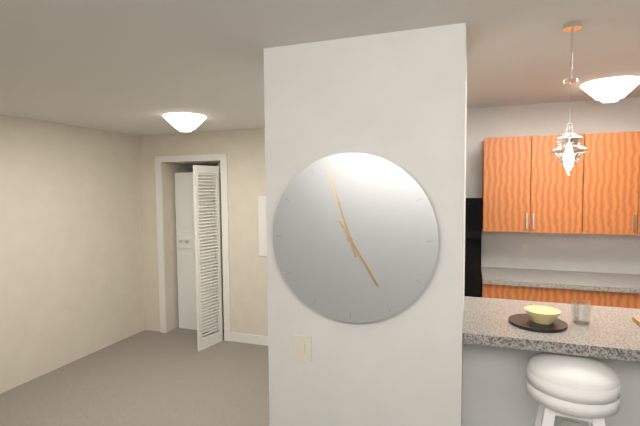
4 h 57 min
